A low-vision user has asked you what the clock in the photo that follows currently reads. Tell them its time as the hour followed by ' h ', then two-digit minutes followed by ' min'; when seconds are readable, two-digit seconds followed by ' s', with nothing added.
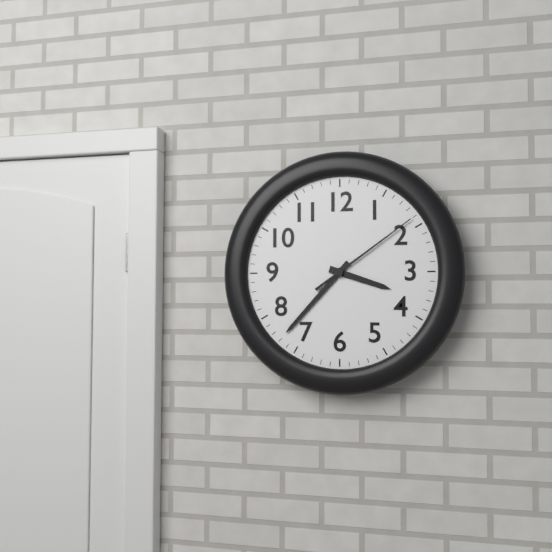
3 h 37 min 09 s
